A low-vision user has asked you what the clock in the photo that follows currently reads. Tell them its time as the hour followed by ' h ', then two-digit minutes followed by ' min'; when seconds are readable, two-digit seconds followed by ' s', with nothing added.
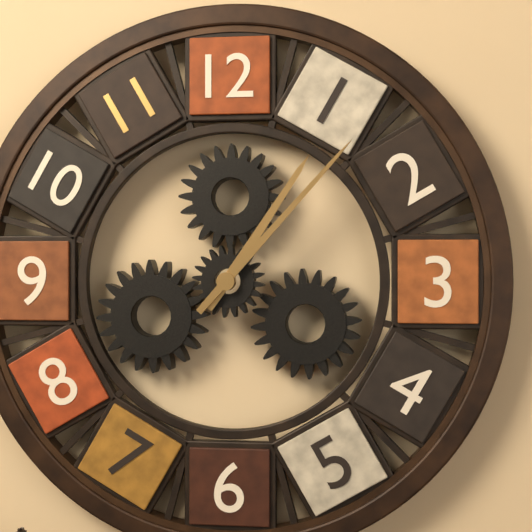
1 h 07 min
